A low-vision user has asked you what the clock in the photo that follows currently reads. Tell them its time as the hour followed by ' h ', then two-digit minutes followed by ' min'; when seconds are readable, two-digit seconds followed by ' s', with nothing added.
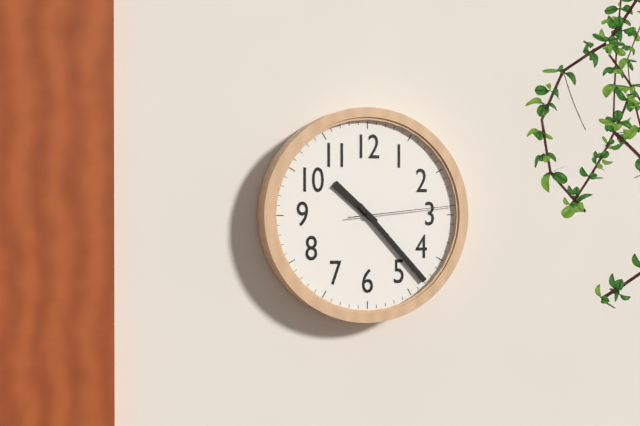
10 h 23 min 14 s
